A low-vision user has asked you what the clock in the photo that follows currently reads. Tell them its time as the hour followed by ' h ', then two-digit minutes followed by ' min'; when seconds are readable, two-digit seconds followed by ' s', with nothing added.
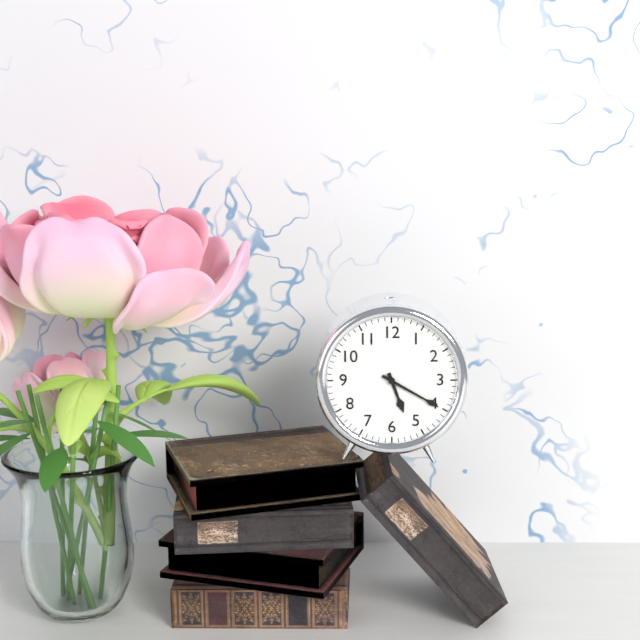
5 h 20 min
